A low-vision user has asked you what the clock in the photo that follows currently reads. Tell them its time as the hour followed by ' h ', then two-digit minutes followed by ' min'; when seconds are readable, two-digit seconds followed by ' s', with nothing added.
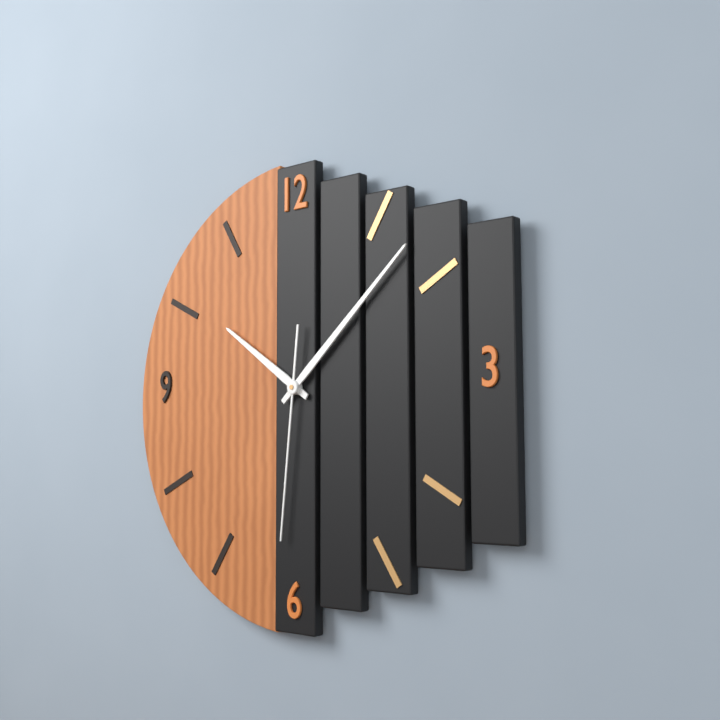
10 h 08 min 31 s
